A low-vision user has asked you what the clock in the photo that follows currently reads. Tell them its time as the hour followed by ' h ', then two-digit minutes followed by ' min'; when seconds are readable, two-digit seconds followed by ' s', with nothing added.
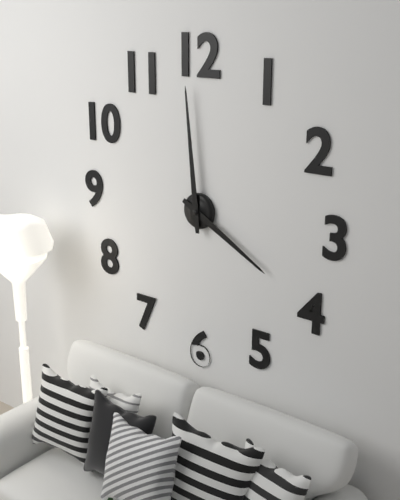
3 h 59 min
